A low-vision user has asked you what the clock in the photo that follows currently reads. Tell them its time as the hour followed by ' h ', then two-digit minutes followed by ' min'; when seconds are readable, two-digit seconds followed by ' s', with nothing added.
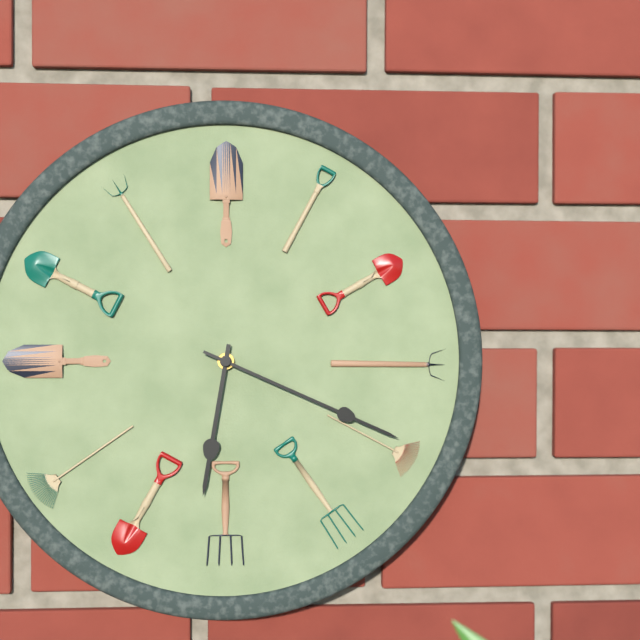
6 h 19 min
